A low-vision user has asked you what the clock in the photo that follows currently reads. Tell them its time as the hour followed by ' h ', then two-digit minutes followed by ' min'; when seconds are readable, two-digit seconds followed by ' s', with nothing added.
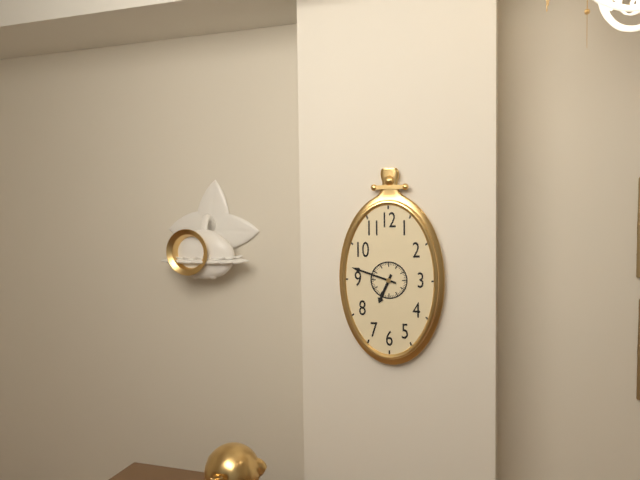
6 h 48 min
